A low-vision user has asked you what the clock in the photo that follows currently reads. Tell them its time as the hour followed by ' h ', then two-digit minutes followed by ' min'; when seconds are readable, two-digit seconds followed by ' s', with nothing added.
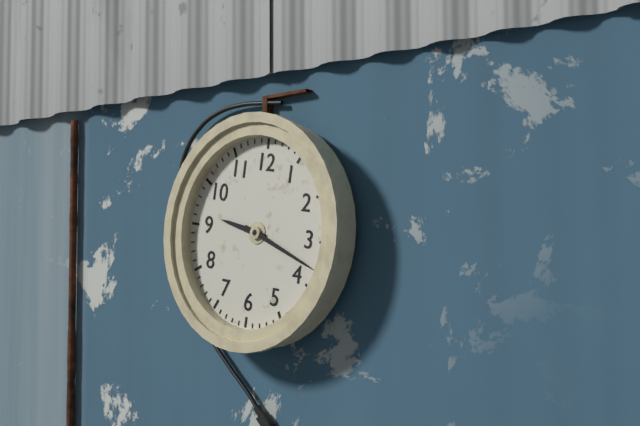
9 h 18 min
